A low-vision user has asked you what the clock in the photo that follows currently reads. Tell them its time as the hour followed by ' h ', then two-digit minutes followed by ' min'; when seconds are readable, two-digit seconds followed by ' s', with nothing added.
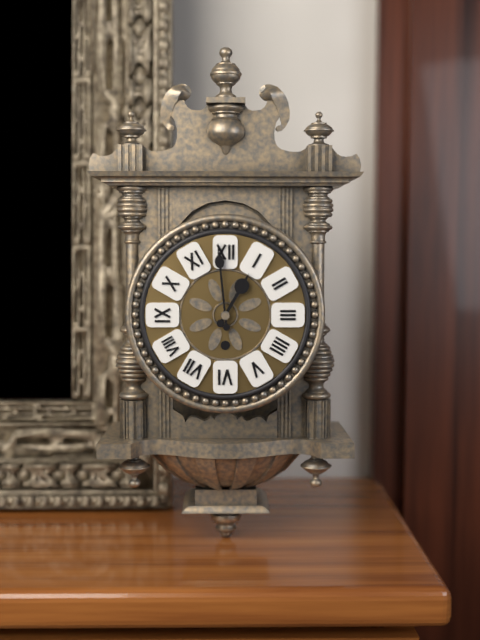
12 h 59 min
